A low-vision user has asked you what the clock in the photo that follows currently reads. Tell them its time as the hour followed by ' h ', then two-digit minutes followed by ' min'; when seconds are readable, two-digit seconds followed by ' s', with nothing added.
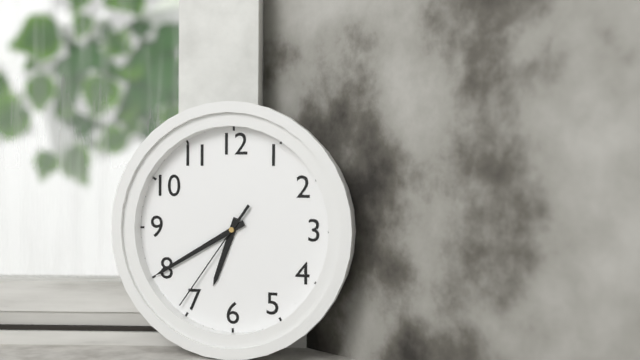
6 h 40 min 36 s
